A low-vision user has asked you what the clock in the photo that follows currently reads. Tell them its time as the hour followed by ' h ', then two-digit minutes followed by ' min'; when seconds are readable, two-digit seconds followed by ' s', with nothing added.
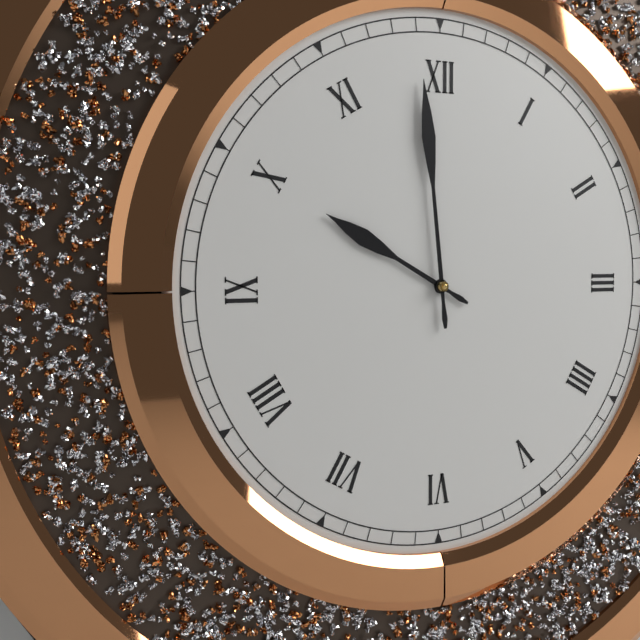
9 h 59 min
